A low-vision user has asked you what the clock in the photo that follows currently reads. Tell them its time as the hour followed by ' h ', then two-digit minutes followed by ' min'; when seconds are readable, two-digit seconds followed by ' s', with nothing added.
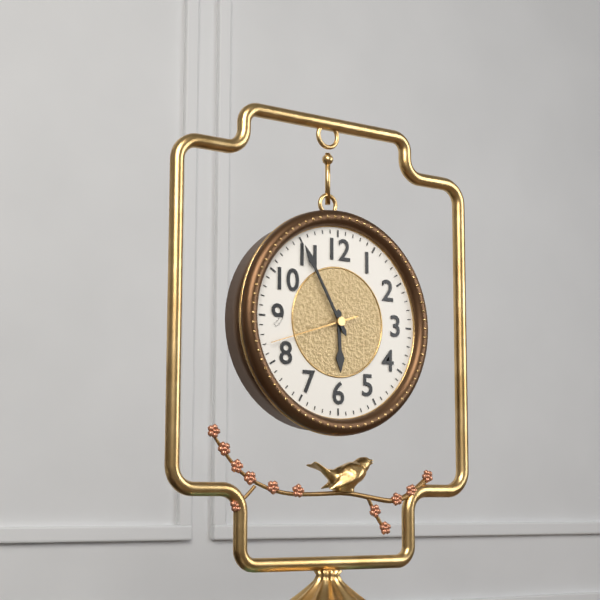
5 h 55 min 42 s
